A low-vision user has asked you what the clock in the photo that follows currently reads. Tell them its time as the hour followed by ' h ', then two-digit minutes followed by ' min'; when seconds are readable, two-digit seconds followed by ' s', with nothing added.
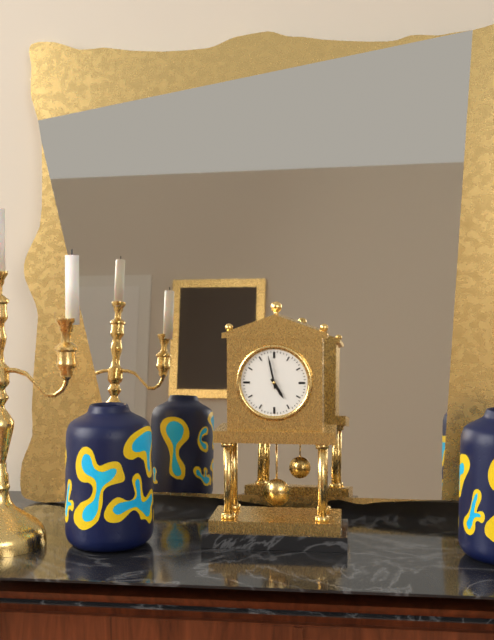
4 h 58 min
